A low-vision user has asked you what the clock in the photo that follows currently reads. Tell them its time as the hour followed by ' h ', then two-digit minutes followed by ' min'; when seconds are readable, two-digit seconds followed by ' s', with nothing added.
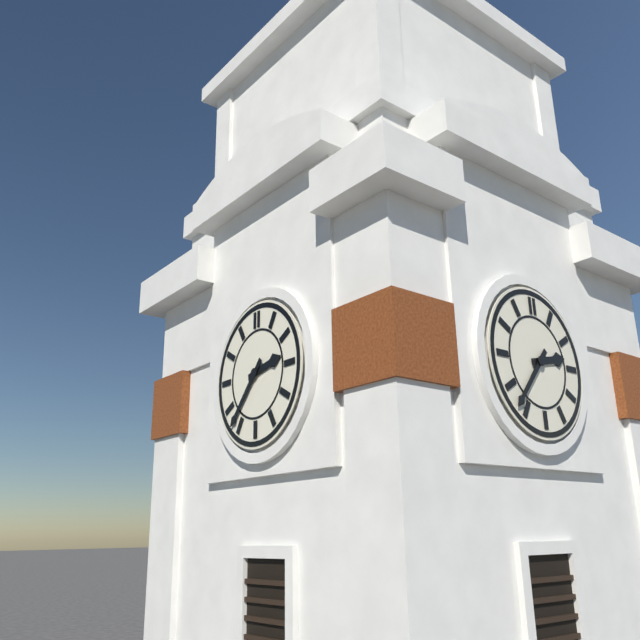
2 h 37 min
